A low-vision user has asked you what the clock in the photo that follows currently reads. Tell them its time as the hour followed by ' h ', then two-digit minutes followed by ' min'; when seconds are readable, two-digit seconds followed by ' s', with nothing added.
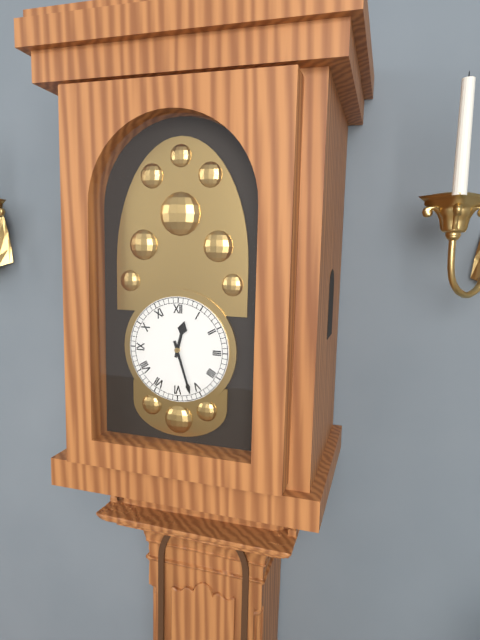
12 h 27 min
